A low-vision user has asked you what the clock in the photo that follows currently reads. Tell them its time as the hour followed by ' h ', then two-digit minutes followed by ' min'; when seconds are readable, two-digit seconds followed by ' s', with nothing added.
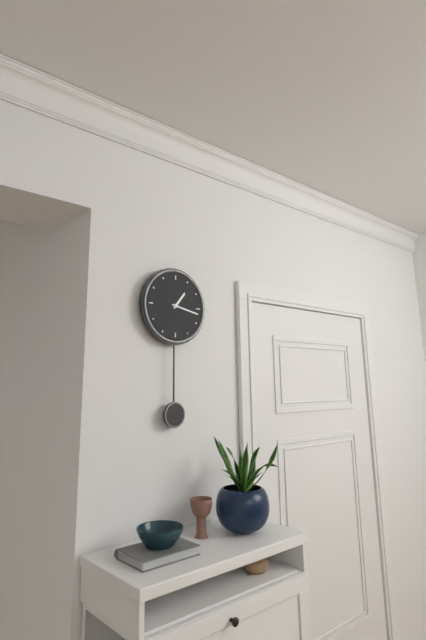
1 h 17 min
